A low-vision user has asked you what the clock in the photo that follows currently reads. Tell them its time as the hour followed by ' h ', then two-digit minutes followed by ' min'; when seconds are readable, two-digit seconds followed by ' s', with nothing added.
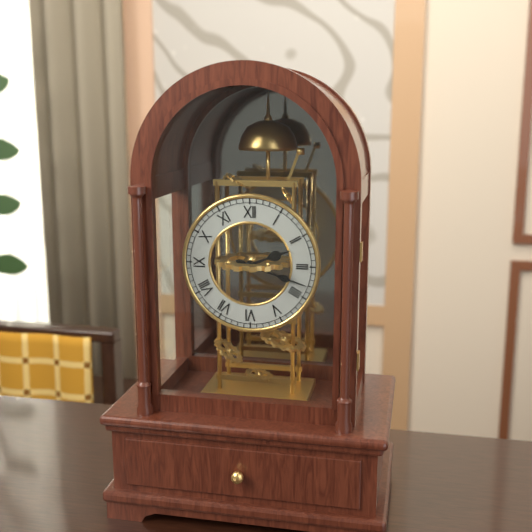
2 h 18 min
